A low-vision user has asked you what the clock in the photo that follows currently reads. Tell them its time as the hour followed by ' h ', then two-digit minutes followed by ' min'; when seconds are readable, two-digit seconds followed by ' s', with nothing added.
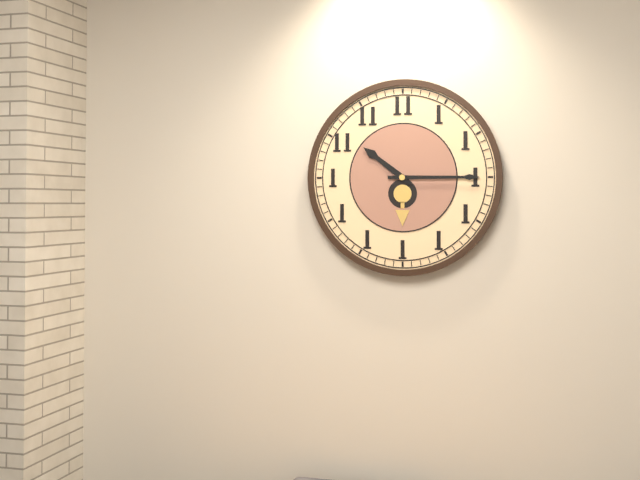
10 h 15 min
